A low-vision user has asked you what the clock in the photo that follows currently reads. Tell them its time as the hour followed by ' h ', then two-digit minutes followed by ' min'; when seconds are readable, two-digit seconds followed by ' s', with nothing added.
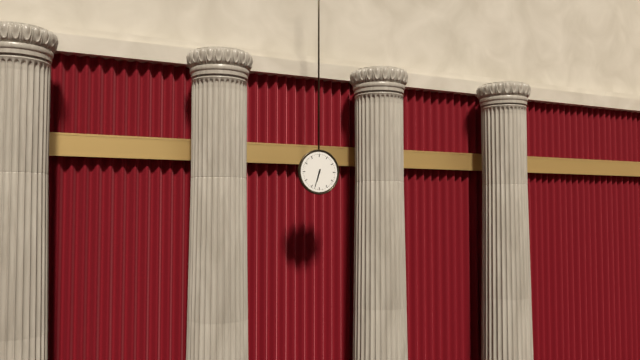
6 h 33 min
